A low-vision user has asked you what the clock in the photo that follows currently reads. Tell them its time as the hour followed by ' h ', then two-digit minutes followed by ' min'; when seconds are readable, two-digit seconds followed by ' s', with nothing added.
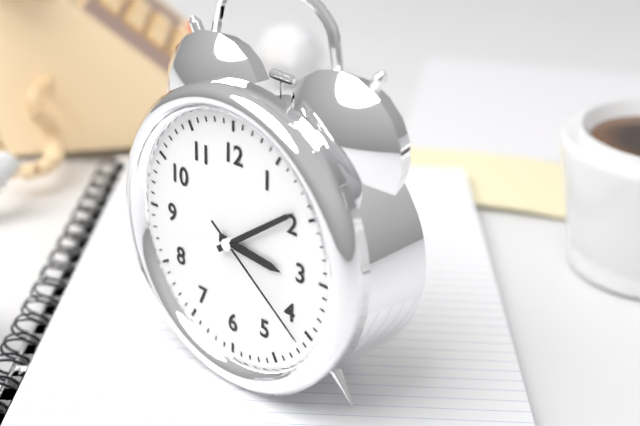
3 h 09 min 21 s
